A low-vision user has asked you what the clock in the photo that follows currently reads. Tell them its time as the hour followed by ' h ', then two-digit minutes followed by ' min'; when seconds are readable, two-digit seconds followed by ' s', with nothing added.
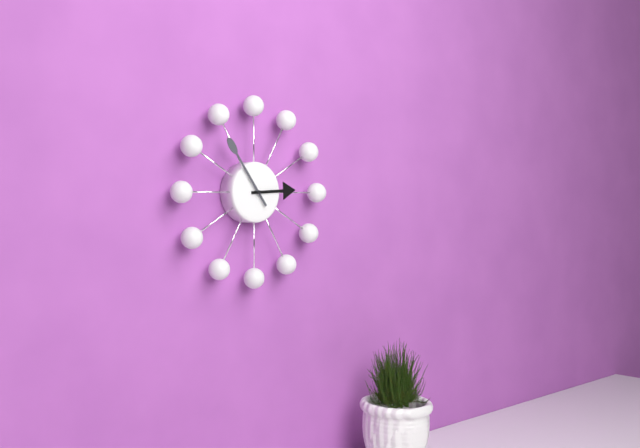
2 h 54 min
